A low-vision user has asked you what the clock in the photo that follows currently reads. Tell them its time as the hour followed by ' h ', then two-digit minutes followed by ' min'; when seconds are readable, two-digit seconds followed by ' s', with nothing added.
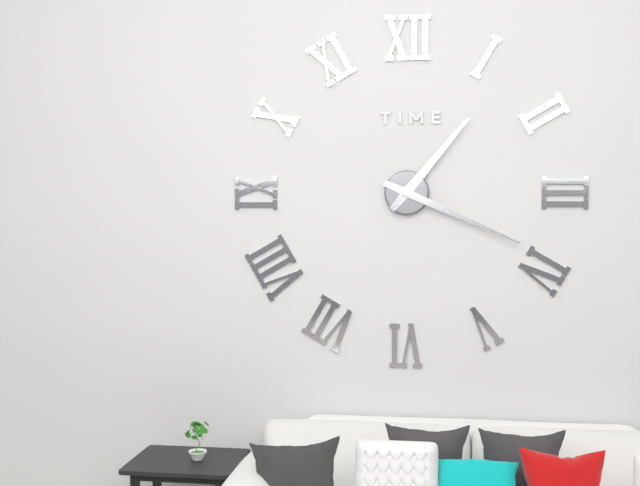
1 h 19 min
